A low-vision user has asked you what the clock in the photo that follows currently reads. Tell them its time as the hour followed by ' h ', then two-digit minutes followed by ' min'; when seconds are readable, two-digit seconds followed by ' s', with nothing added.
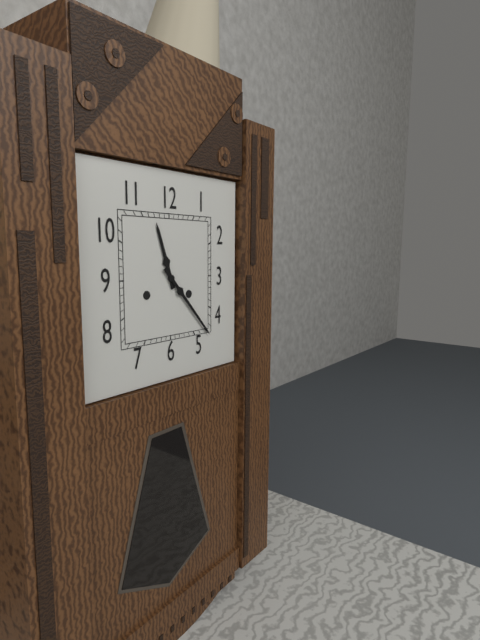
11 h 23 min
